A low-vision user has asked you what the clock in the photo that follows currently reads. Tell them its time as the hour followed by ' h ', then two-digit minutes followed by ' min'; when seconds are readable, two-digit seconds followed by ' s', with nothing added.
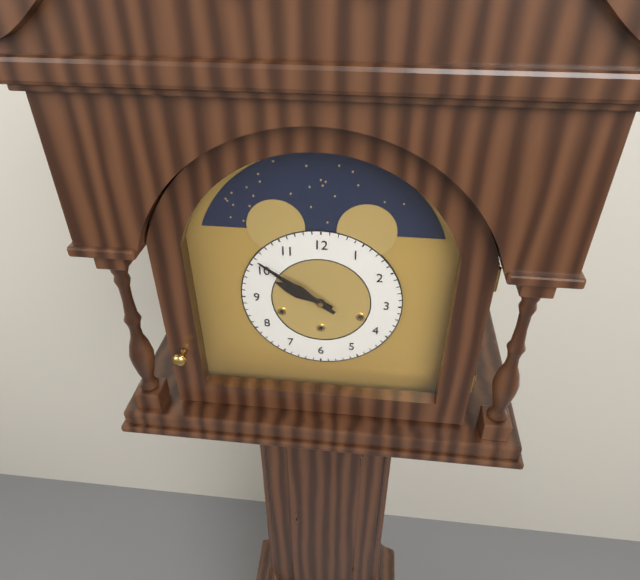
9 h 51 min
